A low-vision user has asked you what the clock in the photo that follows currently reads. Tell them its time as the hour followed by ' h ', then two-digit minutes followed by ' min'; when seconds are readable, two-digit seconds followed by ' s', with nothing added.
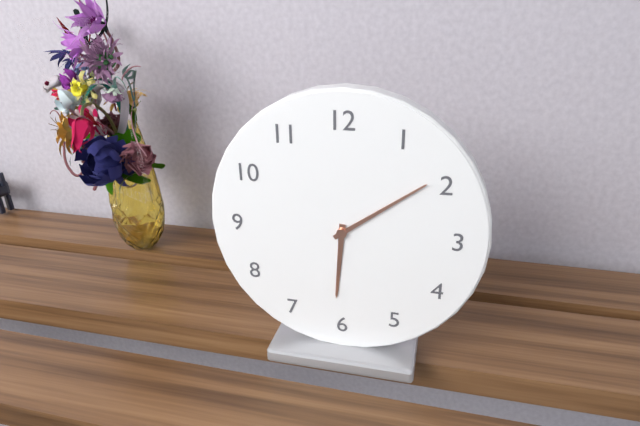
6 h 09 min
